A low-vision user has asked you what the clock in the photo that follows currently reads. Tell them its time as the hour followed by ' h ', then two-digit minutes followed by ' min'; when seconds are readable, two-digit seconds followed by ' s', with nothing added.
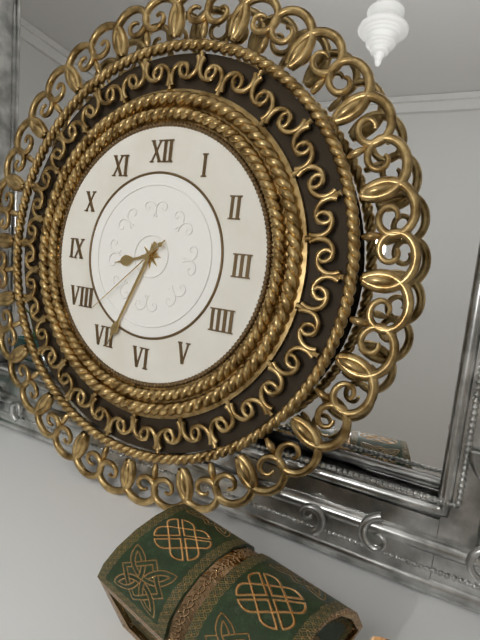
8 h 34 min 38 s
